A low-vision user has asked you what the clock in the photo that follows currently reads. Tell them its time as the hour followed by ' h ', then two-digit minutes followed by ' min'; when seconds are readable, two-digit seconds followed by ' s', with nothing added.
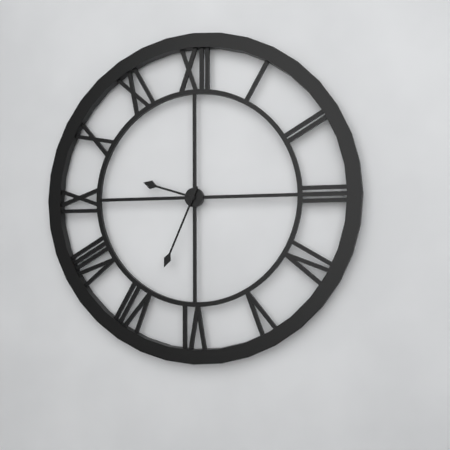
9 h 34 min
